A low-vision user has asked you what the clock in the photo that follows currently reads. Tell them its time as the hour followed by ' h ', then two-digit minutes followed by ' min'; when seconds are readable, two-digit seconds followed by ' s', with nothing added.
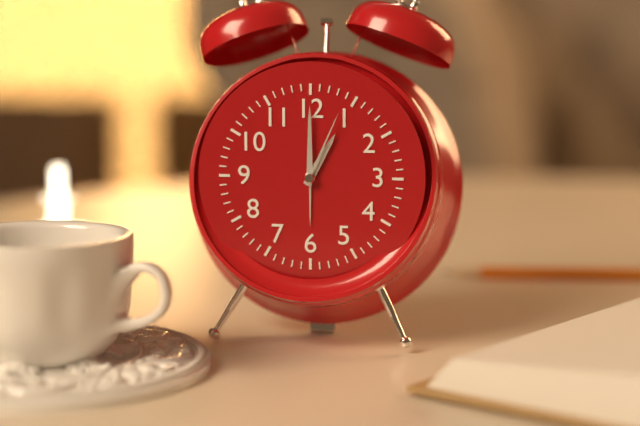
1 h 00 min 04 s
